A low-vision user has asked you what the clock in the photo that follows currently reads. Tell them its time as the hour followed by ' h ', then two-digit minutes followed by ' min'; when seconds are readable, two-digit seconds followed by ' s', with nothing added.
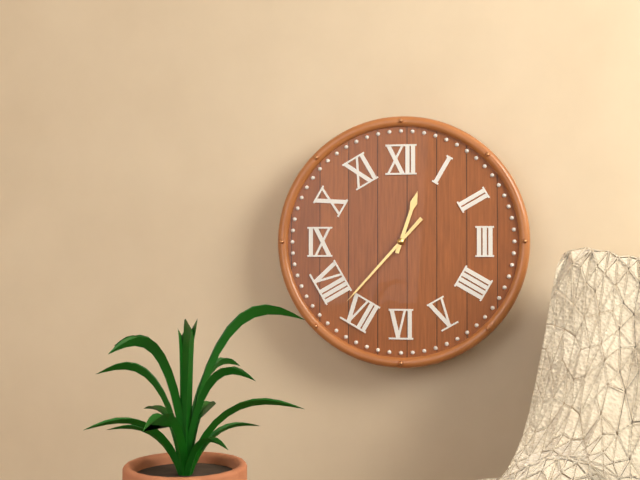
12 h 37 min
